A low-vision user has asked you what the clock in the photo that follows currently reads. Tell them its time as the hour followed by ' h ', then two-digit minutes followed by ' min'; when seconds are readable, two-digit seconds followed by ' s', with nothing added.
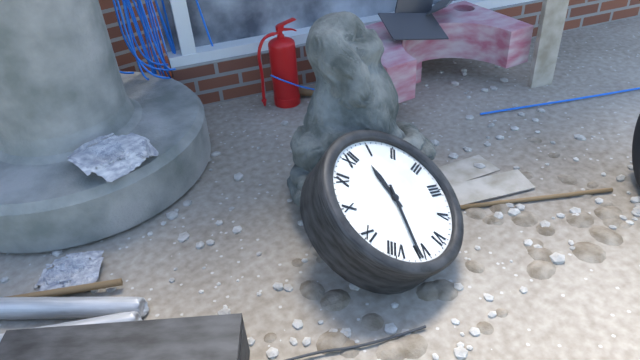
12 h 36 min
